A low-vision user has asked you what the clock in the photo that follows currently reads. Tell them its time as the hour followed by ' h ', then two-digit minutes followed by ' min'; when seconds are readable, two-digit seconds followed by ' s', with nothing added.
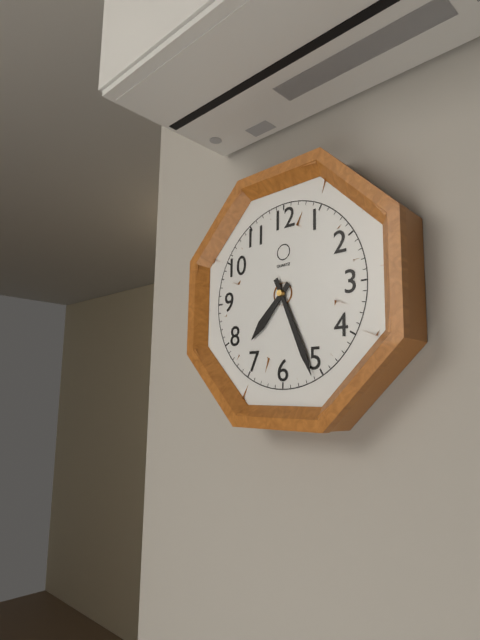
7 h 26 min
